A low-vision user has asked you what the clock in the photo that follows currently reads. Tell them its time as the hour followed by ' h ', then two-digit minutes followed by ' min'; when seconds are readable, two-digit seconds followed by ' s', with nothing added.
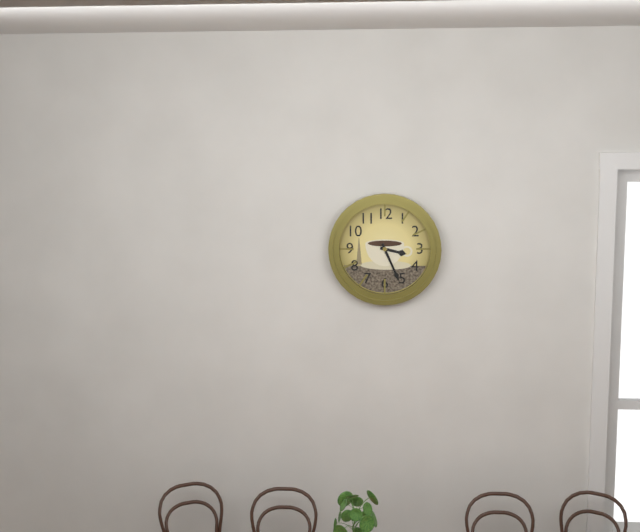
3 h 26 min
